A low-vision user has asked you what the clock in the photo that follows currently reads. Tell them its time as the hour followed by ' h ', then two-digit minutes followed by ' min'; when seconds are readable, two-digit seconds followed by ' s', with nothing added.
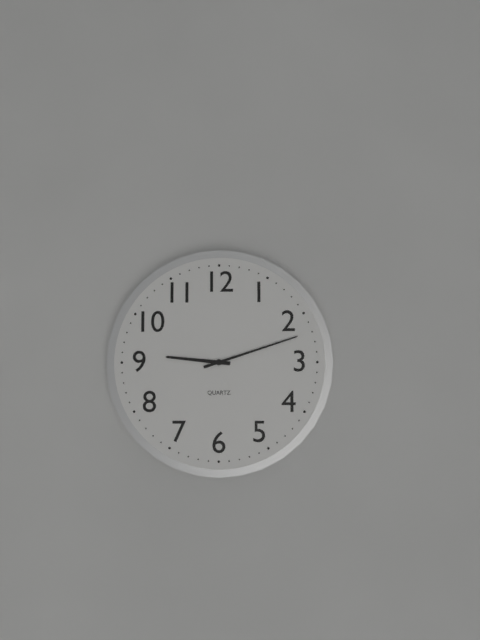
9 h 12 min
